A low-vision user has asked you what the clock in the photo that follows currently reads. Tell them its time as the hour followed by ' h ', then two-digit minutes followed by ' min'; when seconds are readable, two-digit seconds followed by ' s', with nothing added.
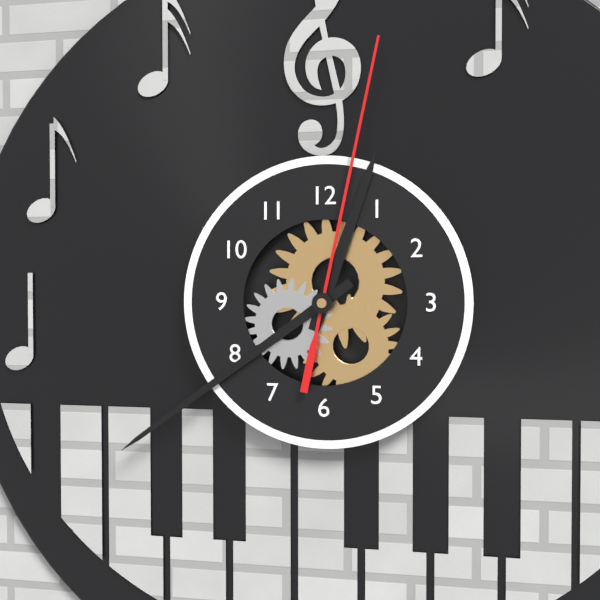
12 h 39 min 02 s
